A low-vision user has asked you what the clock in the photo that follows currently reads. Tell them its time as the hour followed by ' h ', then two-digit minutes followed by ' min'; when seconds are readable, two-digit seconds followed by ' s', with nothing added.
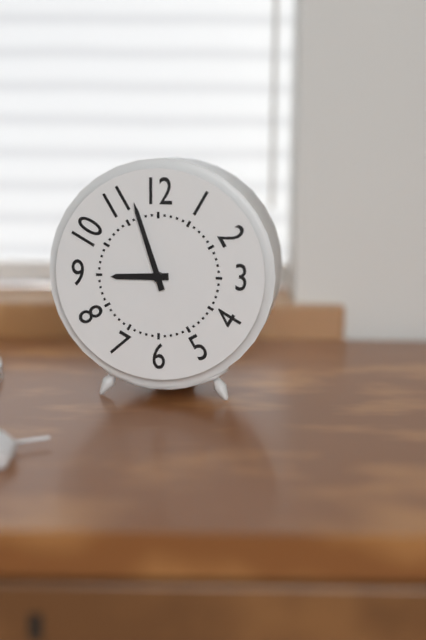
8 h 57 min
